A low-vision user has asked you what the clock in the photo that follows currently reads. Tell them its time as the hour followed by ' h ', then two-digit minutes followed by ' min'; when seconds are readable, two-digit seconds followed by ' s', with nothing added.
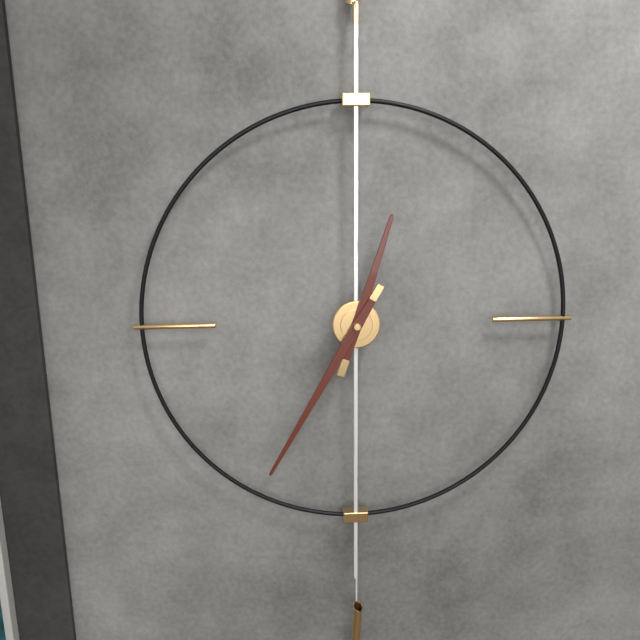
12 h 35 min
